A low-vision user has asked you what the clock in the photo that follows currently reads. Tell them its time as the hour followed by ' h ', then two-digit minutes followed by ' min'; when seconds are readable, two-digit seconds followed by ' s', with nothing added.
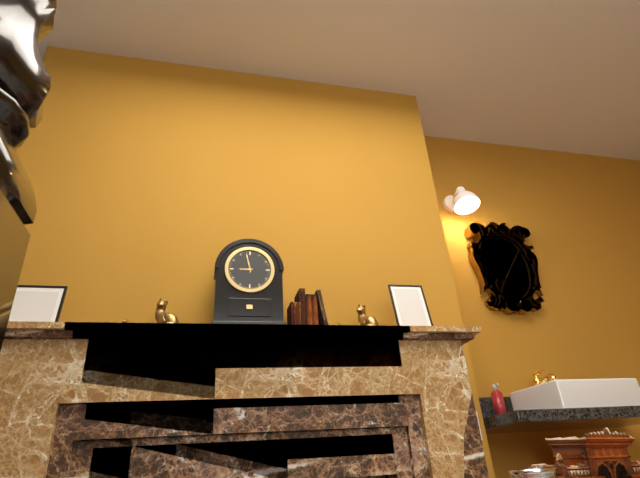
8 h 58 min
